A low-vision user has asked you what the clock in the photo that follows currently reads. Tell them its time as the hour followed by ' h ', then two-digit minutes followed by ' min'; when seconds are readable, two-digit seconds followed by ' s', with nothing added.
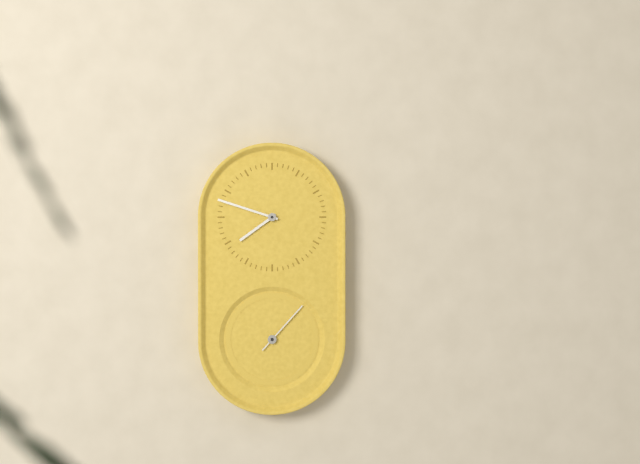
7 h 48 min 07 s
